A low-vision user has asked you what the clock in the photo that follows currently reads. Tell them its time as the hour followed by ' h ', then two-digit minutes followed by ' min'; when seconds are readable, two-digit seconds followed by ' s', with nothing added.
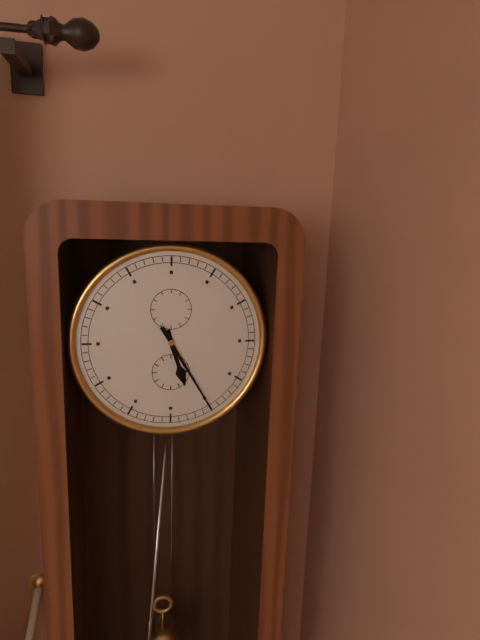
5 h 25 min
